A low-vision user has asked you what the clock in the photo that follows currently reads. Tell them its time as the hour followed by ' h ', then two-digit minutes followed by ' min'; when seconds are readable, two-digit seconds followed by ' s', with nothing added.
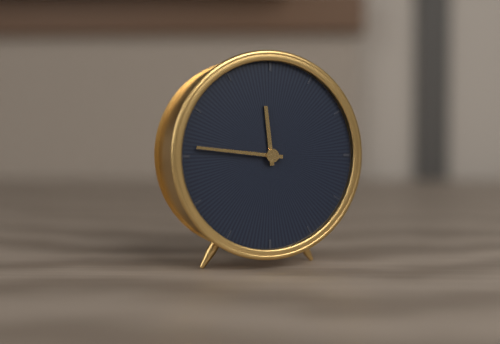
11 h 46 min
